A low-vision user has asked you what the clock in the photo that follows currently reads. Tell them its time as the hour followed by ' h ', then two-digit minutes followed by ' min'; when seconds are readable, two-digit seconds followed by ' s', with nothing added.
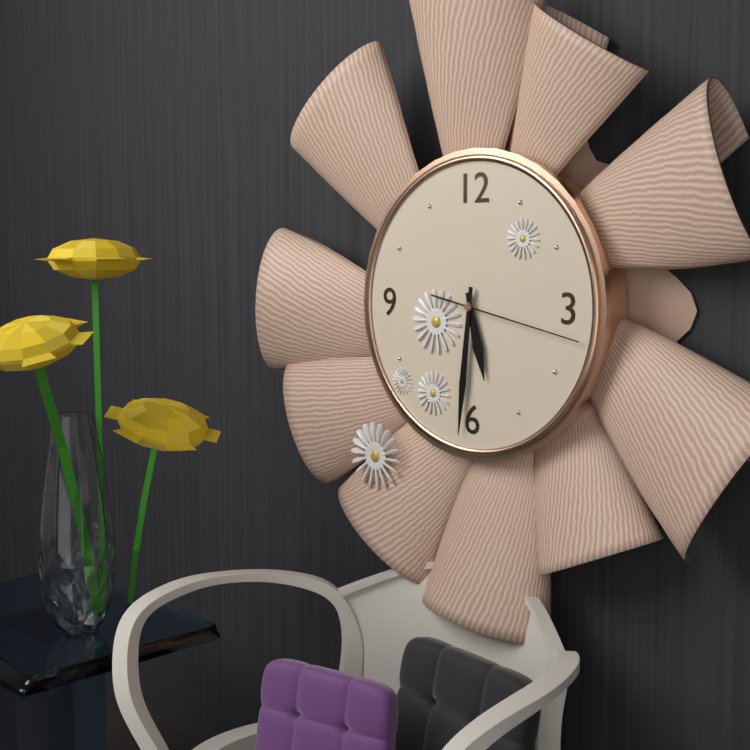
5 h 31 min 17 s
